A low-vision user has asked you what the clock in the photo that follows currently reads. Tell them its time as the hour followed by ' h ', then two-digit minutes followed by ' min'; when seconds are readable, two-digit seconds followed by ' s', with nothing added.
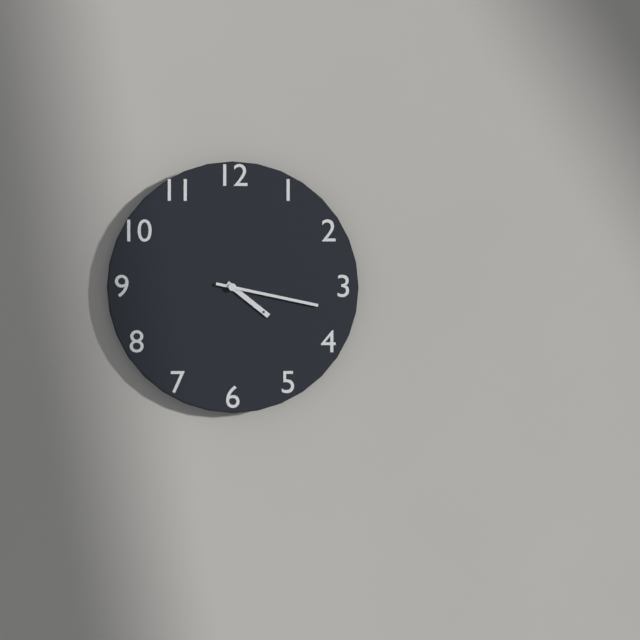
4 h 17 min
